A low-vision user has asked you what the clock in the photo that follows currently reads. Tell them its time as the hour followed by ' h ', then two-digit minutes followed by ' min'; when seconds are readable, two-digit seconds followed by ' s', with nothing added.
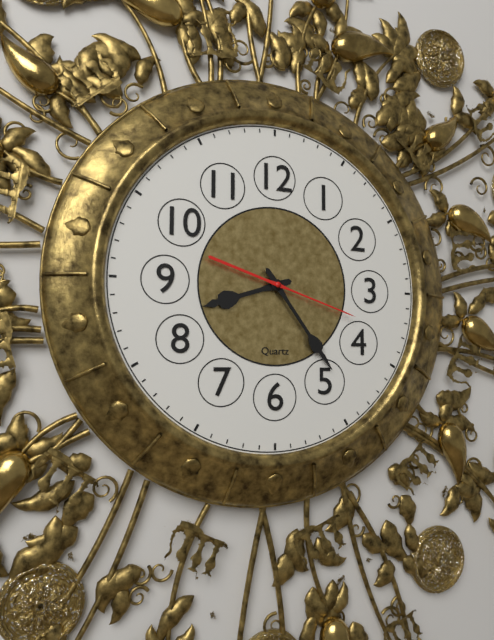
8 h 24 min 18 s
